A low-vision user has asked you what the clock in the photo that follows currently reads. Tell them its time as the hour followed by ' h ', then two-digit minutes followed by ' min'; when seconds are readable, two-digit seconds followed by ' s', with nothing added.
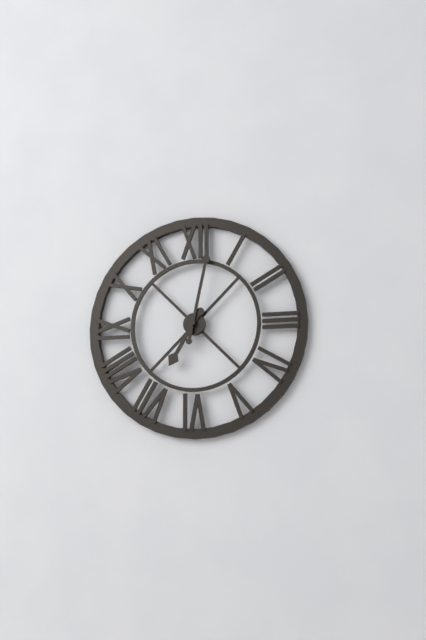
7 h 02 min
